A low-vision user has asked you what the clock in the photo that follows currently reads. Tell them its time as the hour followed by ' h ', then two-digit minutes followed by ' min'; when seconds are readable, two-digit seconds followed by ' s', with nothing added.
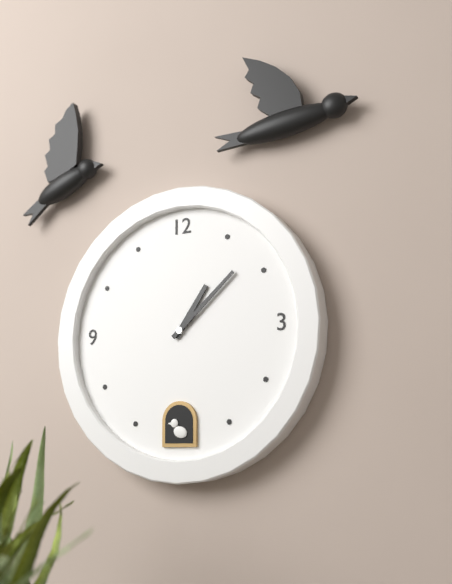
1 h 08 min
